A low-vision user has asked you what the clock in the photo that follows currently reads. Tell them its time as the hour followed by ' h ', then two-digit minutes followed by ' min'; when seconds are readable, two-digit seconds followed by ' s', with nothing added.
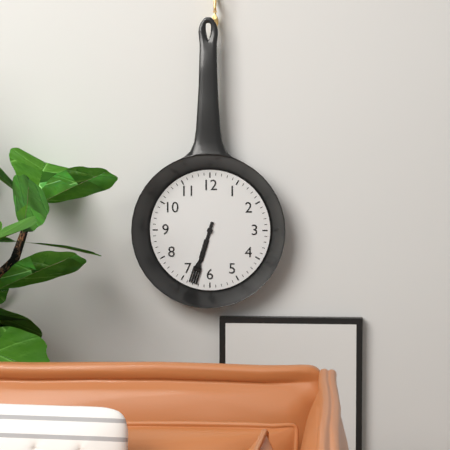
6 h 33 min
